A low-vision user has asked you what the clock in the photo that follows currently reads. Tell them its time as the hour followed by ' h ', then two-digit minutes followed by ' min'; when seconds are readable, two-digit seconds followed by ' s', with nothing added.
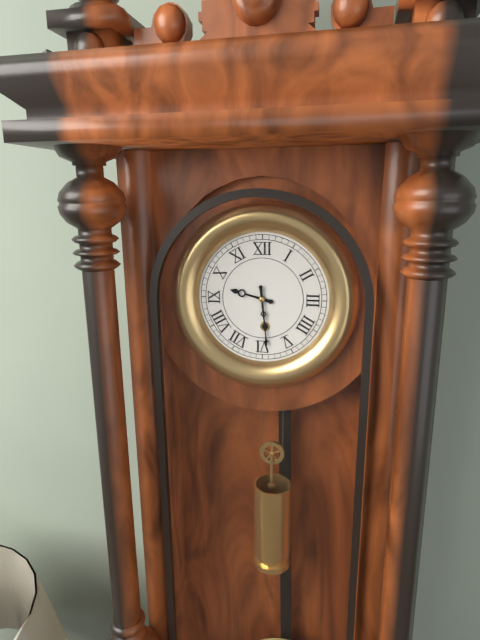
9 h 29 min
